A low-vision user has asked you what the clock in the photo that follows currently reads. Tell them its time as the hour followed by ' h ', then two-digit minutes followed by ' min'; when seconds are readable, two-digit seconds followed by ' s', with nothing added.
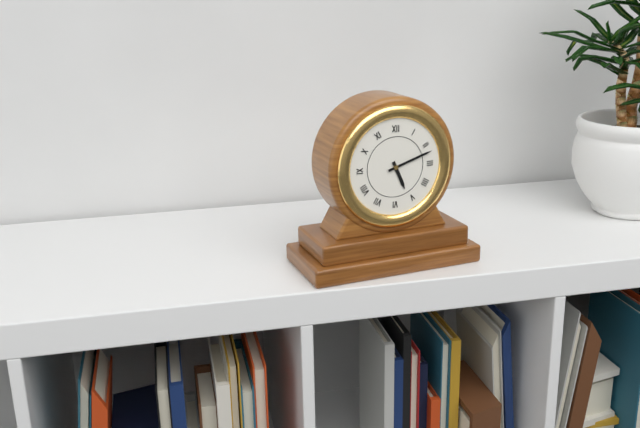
5 h 12 min
